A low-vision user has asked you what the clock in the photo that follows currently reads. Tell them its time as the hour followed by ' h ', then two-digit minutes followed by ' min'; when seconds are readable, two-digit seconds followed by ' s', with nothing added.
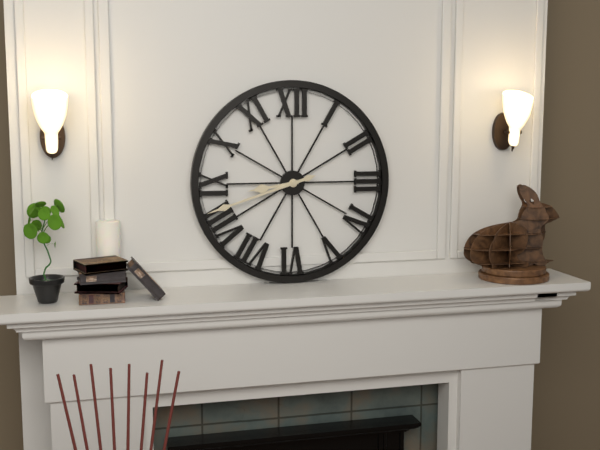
8 h 42 min
